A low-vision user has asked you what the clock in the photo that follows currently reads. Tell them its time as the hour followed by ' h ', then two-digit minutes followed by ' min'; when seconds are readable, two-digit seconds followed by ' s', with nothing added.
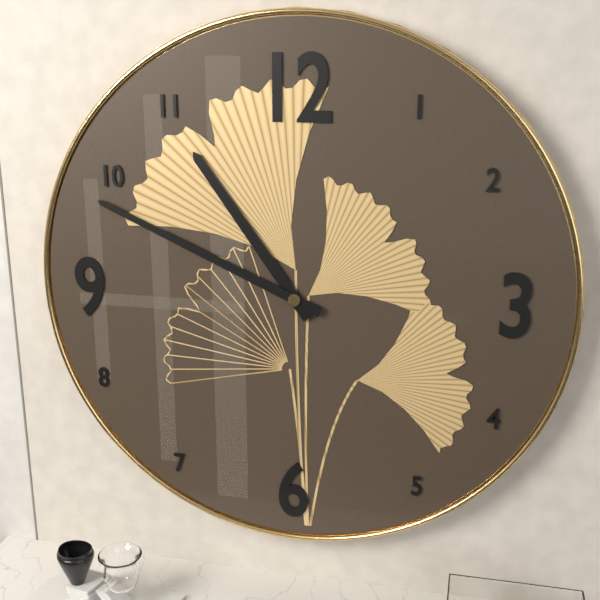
10 h 49 min
